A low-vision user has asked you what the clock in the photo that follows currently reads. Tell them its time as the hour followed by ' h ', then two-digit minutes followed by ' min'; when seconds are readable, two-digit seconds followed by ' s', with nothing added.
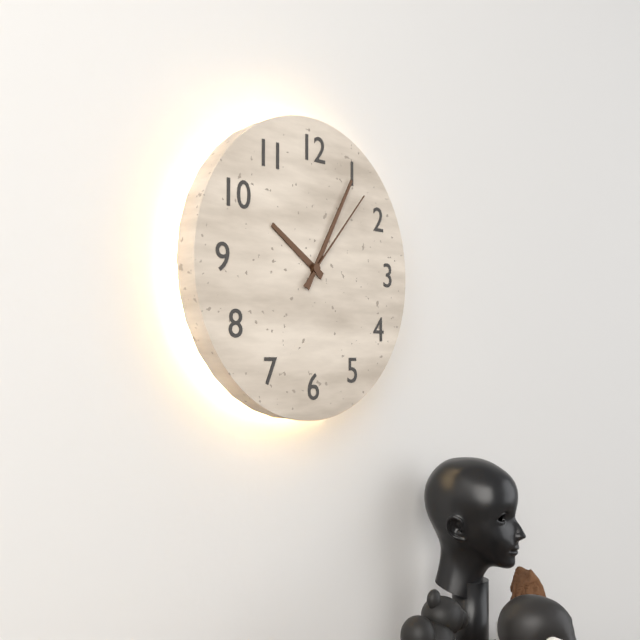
10 h 05 min 07 s
